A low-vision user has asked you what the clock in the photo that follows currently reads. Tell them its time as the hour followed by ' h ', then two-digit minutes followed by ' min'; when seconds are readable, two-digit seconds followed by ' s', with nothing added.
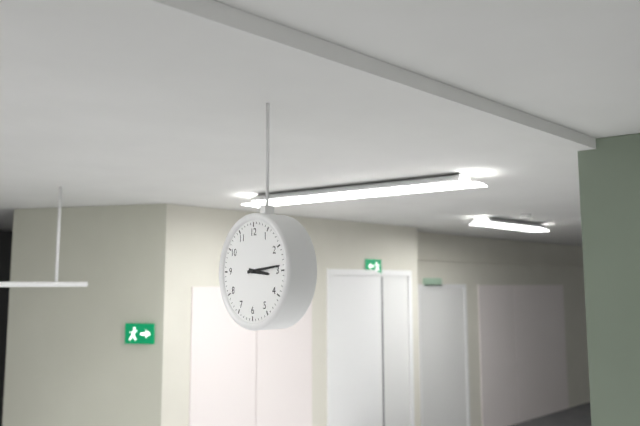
3 h 14 min
